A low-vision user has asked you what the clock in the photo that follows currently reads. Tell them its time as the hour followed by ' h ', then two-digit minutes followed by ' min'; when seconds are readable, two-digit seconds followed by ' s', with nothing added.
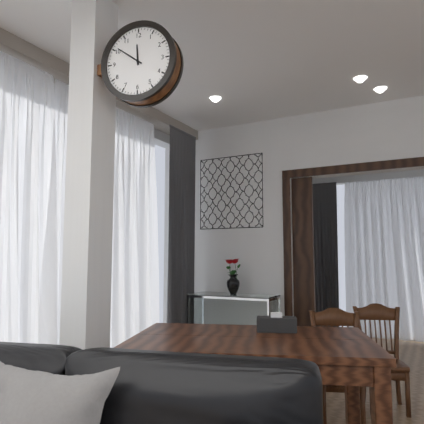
11 h 51 min
